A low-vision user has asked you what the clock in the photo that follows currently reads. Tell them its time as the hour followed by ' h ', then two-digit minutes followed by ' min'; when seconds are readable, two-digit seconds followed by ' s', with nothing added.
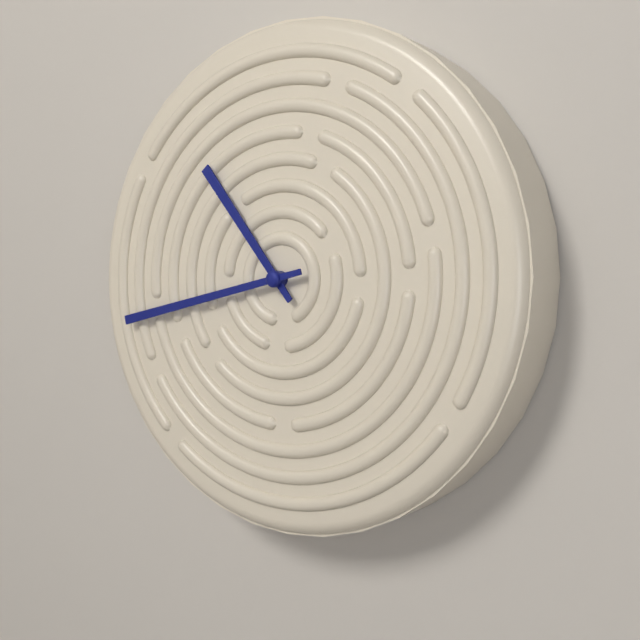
10 h 43 min
